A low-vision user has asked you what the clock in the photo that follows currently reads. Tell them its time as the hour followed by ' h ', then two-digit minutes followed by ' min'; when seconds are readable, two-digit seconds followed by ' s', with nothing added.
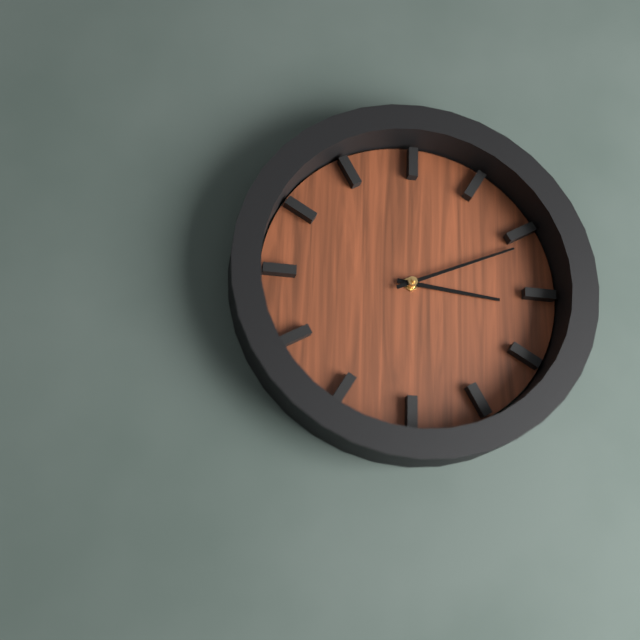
3 h 11 min
